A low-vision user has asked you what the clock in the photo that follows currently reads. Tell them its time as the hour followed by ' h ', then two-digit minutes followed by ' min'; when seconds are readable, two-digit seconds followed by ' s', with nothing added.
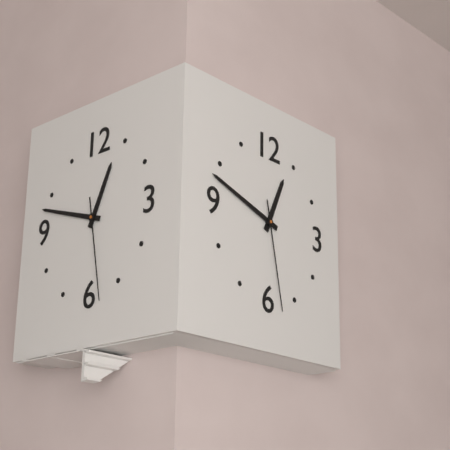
12 h 48 min 28 s
